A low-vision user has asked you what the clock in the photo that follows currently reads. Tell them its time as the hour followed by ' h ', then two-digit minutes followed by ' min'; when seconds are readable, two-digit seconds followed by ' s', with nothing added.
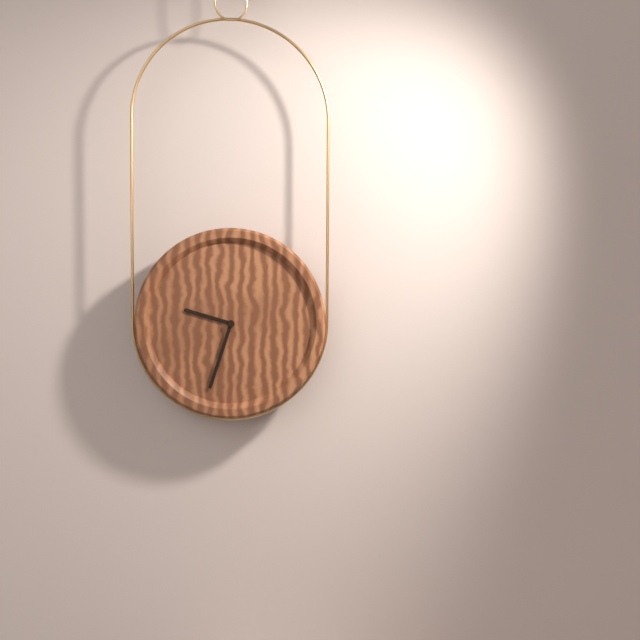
9 h 33 min
